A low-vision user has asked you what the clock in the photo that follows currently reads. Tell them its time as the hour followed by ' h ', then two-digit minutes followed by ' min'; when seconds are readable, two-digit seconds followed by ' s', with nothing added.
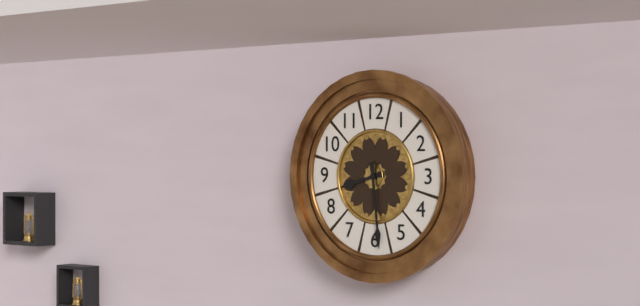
8 h 29 min
